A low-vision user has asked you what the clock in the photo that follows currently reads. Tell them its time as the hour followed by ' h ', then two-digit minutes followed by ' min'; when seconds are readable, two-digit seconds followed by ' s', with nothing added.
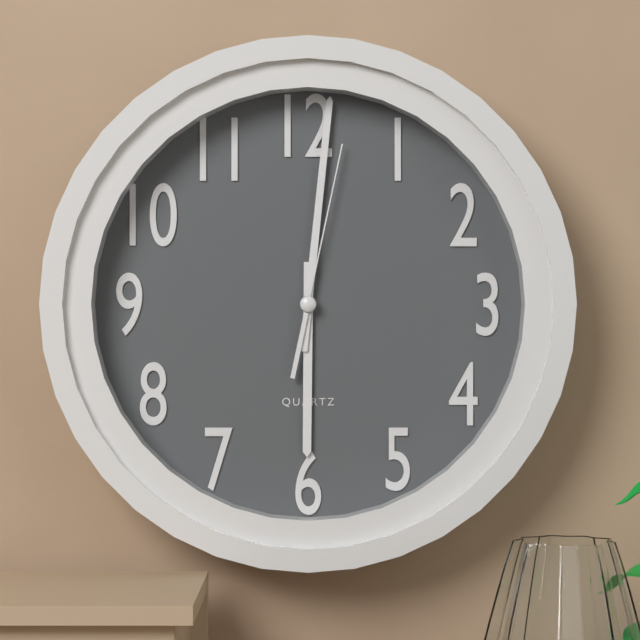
6 h 01 min 02 s
